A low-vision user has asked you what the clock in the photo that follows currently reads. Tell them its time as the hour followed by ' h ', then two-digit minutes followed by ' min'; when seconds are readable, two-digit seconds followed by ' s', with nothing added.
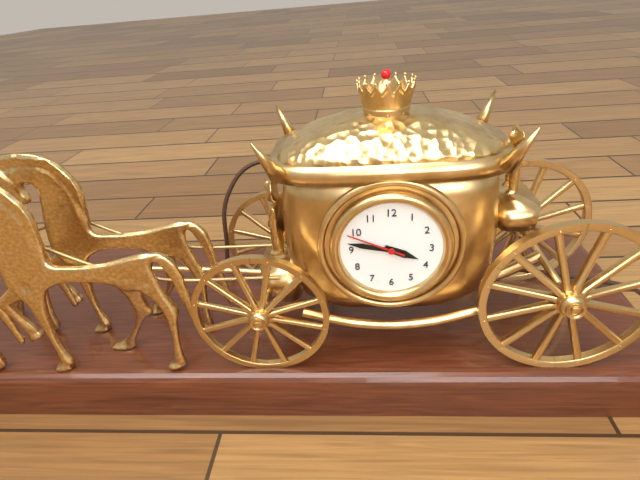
3 h 47 min 49 s
